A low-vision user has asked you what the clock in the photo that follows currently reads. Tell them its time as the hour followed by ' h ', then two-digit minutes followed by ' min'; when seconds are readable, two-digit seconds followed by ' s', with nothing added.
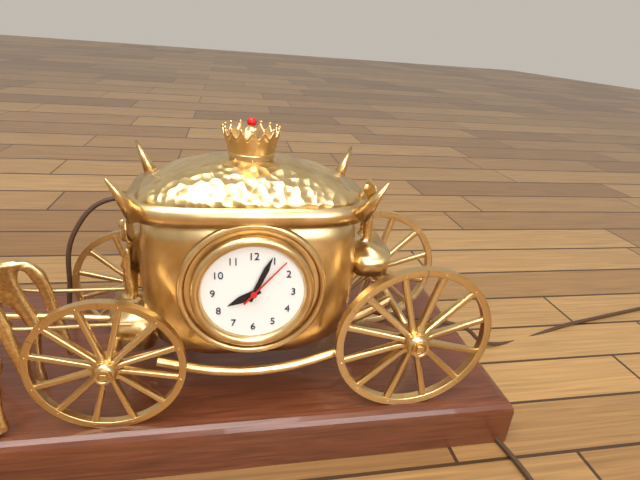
8 h 04 min 07 s
